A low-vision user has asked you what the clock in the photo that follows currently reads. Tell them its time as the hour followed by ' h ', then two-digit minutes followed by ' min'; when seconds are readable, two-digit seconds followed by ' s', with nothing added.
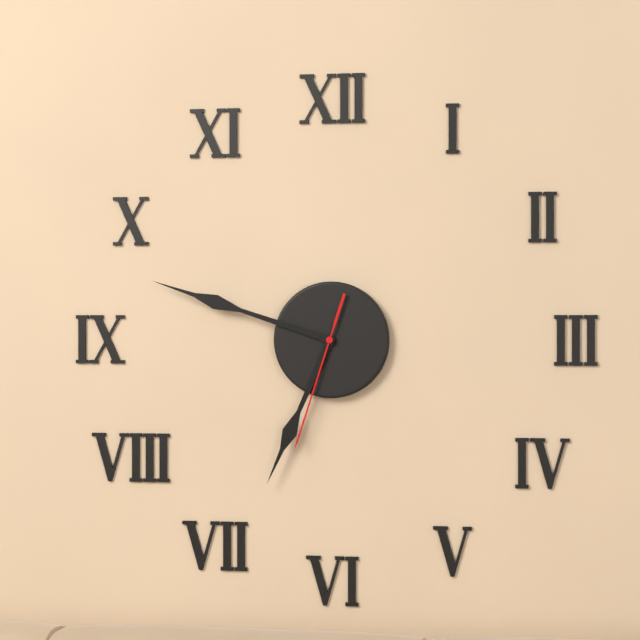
6 h 48 min 33 s
